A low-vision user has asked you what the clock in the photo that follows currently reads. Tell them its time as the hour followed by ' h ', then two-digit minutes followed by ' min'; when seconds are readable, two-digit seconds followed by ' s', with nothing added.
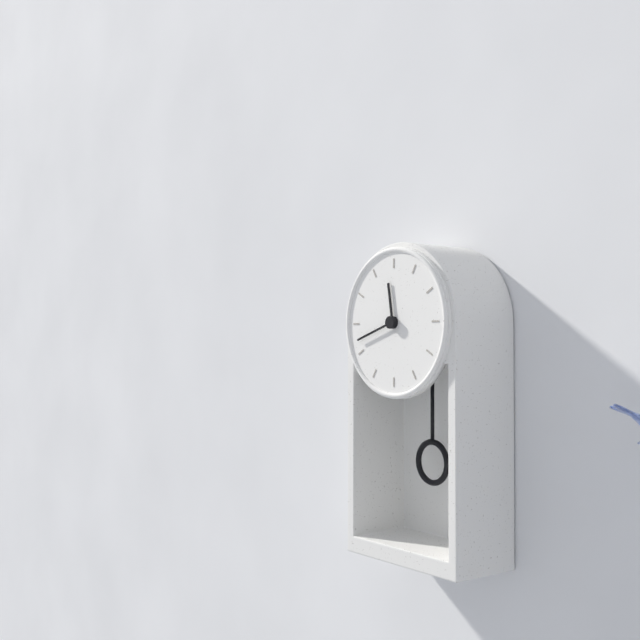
11 h 42 min
